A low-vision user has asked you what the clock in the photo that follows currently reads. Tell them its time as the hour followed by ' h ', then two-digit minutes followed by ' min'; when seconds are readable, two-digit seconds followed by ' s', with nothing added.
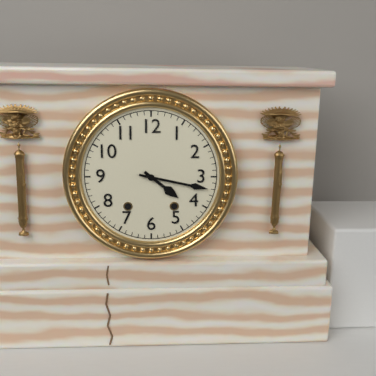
4 h 17 min
